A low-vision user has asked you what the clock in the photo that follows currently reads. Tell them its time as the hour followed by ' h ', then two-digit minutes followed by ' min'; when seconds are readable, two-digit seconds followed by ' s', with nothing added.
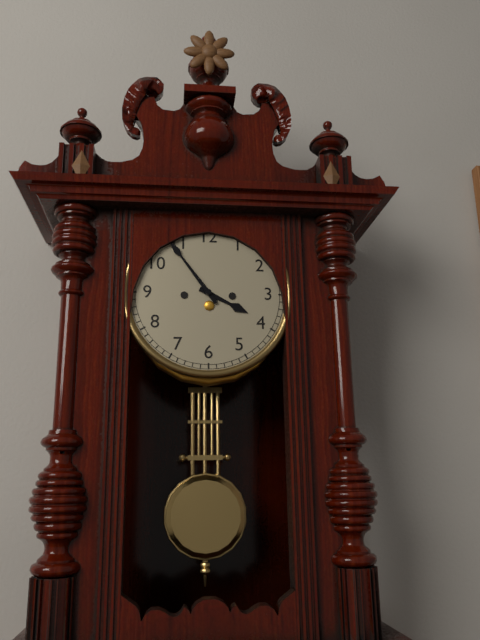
3 h 54 min
